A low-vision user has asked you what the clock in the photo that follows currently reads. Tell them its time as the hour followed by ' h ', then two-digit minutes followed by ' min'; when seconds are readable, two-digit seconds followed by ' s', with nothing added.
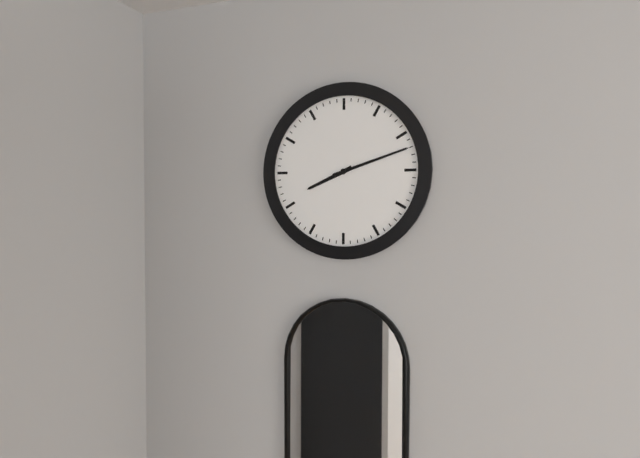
8 h 12 min
